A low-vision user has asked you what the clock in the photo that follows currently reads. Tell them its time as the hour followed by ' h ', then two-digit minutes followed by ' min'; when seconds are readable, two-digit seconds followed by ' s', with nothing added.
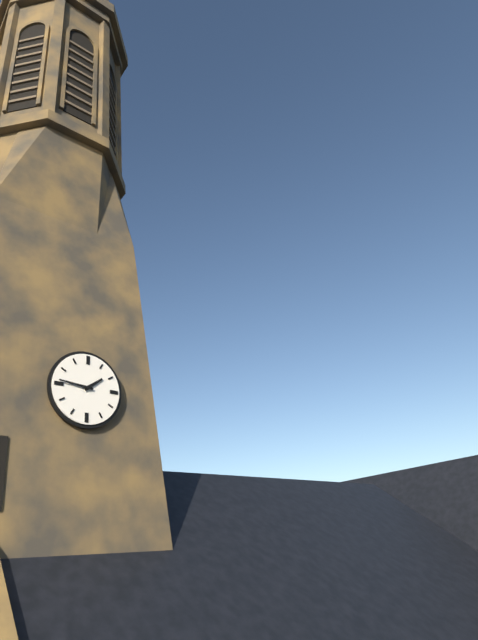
1 h 46 min
